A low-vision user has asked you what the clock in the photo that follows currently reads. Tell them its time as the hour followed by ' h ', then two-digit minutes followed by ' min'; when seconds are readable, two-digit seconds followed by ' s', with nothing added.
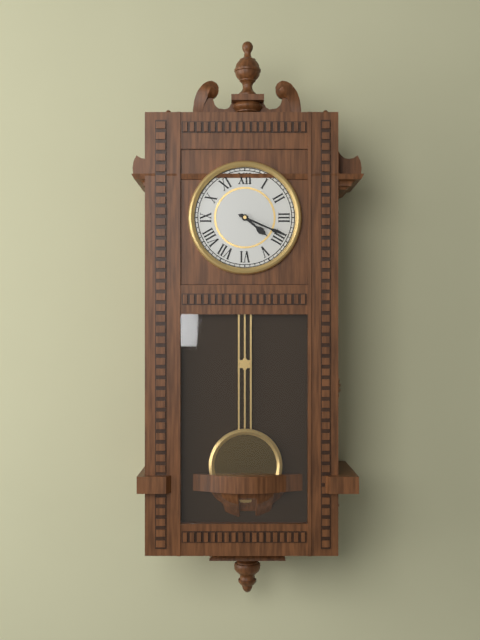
4 h 19 min
